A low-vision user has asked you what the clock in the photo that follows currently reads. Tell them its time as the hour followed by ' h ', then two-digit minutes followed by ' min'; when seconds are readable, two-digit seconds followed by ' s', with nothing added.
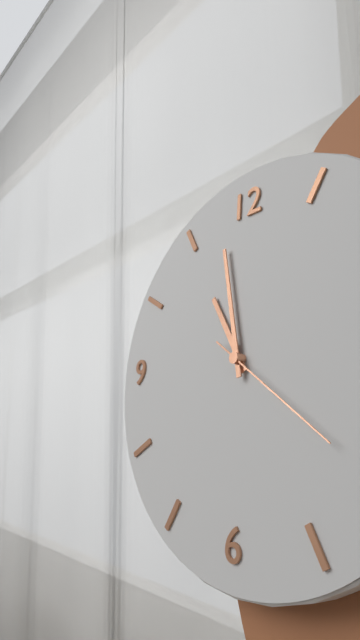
10 h 58 min 21 s
